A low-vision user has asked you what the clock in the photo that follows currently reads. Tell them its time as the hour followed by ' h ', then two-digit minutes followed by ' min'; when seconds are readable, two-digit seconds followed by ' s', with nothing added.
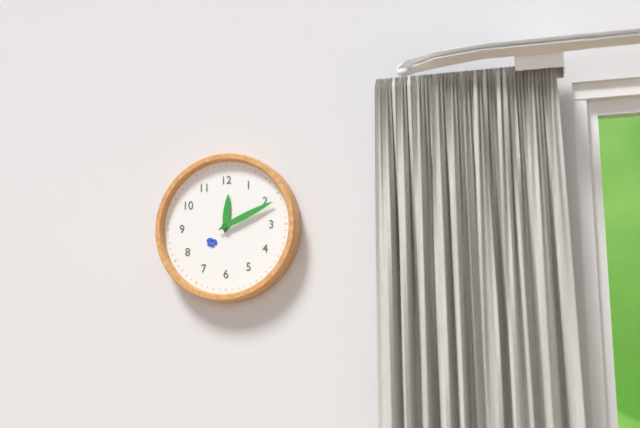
12 h 11 min
